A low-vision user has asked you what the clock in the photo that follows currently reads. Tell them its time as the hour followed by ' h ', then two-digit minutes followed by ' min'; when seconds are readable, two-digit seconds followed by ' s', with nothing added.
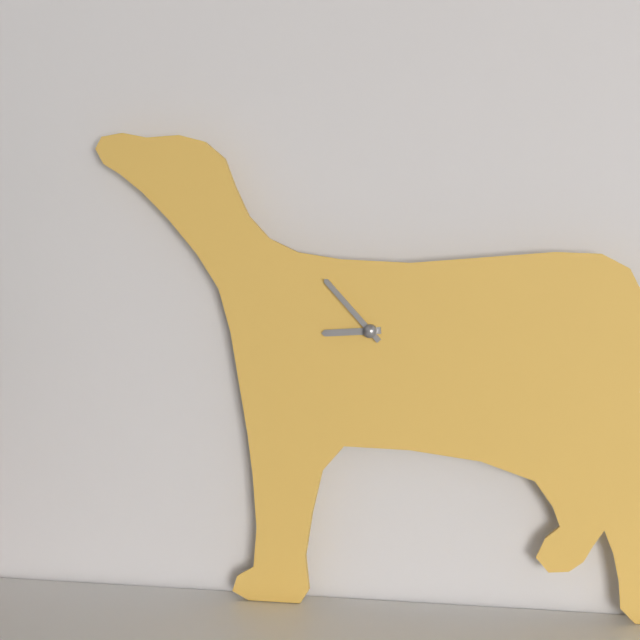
8 h 53 min
